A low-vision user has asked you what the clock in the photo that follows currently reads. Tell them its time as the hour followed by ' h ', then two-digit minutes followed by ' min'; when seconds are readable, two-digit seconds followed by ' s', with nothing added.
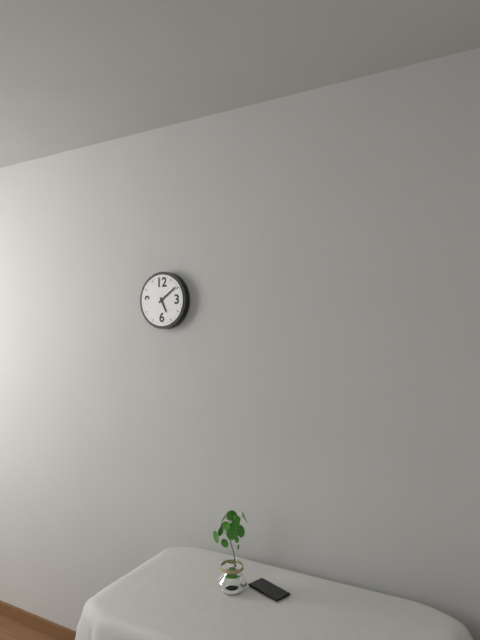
5 h 09 min
